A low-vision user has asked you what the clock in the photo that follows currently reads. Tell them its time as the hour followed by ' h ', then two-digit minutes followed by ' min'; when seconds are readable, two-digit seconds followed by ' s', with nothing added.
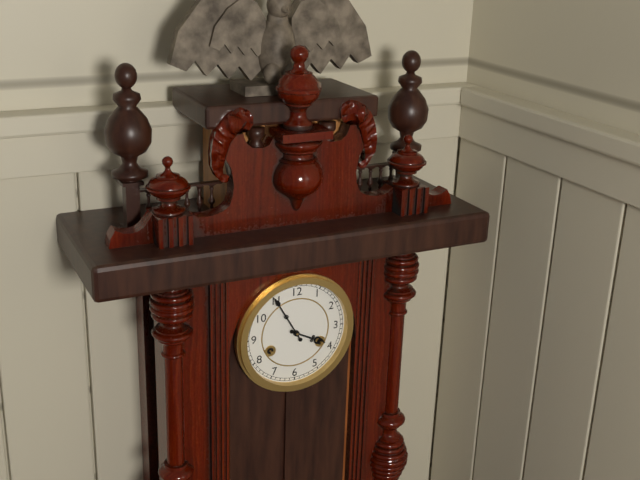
3 h 55 min
